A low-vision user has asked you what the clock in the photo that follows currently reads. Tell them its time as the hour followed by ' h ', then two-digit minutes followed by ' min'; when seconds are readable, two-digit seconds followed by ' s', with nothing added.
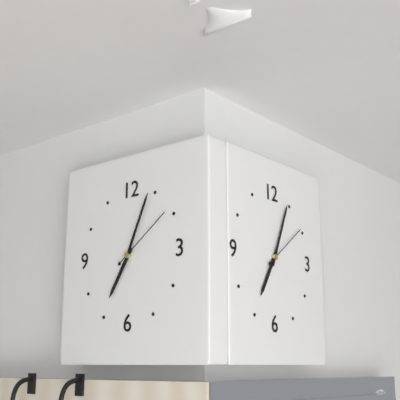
7 h 04 min 09 s
